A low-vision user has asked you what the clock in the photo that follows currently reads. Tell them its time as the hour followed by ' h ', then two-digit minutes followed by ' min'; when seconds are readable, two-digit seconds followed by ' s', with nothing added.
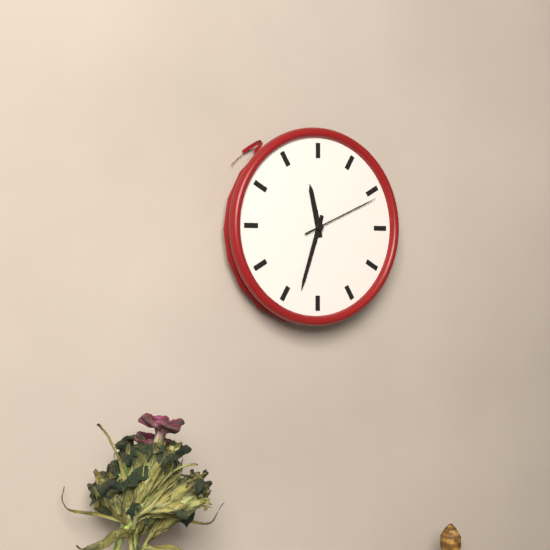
11 h 33 min 11 s
